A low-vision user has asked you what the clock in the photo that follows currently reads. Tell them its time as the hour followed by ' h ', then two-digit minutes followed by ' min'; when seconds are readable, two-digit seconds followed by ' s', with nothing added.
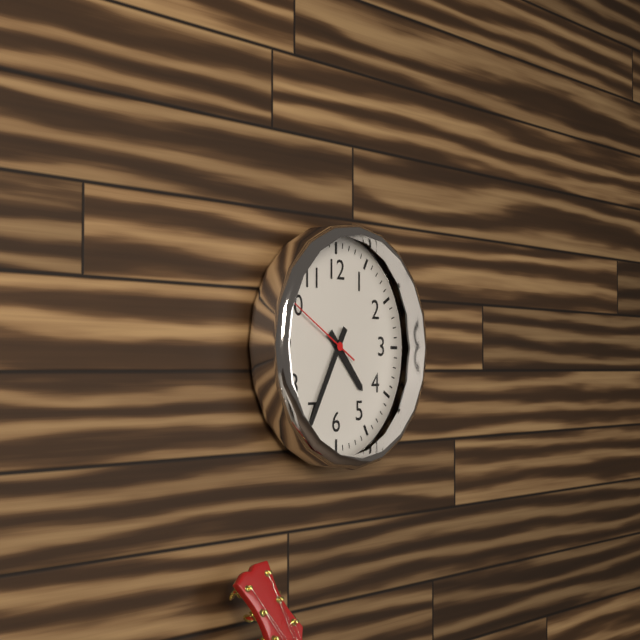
4 h 35 min 50 s
